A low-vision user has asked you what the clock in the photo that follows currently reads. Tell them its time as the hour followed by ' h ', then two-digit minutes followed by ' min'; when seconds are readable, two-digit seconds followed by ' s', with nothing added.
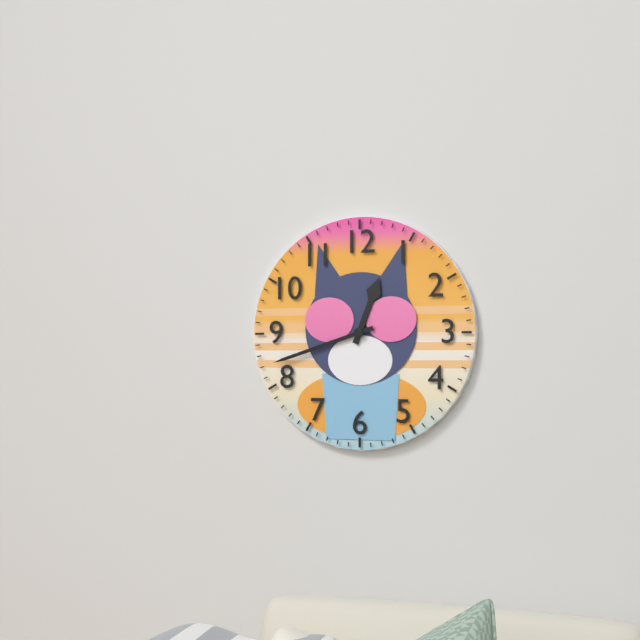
12 h 42 min
